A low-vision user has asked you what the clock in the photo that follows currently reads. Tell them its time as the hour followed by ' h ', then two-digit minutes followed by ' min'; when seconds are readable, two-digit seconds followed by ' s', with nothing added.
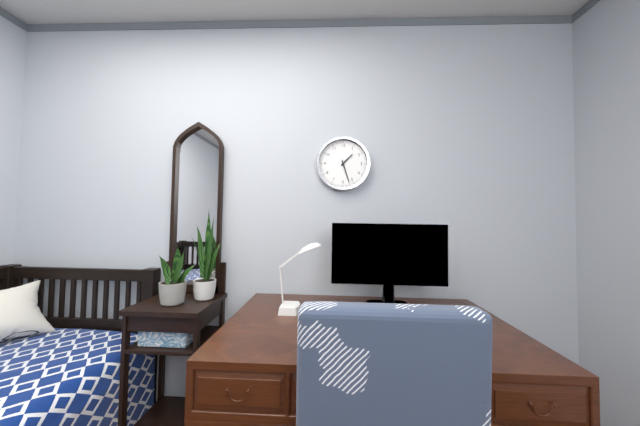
1 h 27 min
